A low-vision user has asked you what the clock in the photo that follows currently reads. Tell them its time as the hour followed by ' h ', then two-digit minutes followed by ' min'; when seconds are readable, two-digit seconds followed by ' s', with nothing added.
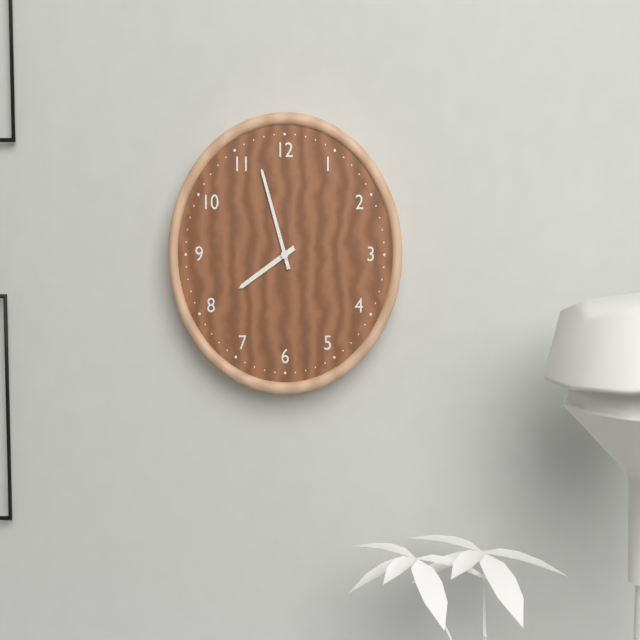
7 h 57 min
